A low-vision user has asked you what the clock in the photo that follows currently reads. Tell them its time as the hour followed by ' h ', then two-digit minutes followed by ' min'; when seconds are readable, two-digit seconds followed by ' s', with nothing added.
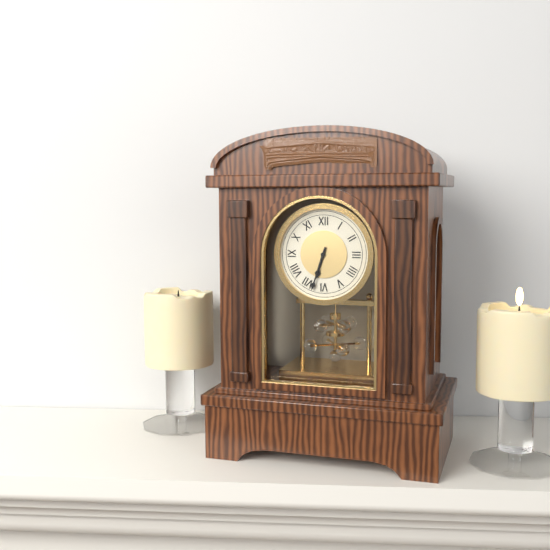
6 h 33 min
